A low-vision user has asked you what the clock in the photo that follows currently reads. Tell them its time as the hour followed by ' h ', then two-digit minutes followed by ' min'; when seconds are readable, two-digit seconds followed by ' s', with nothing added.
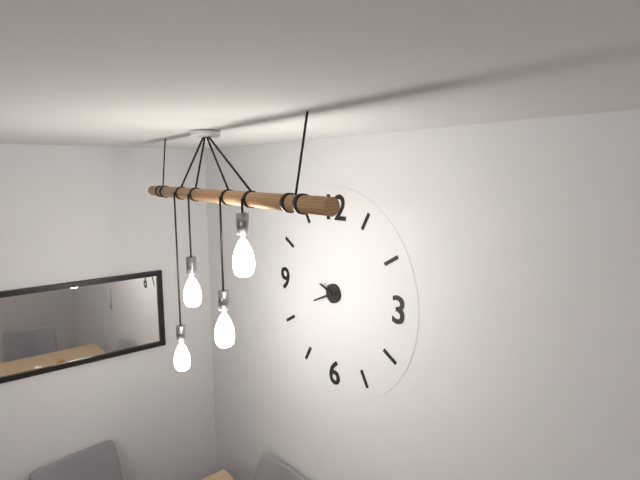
9 h 41 min
